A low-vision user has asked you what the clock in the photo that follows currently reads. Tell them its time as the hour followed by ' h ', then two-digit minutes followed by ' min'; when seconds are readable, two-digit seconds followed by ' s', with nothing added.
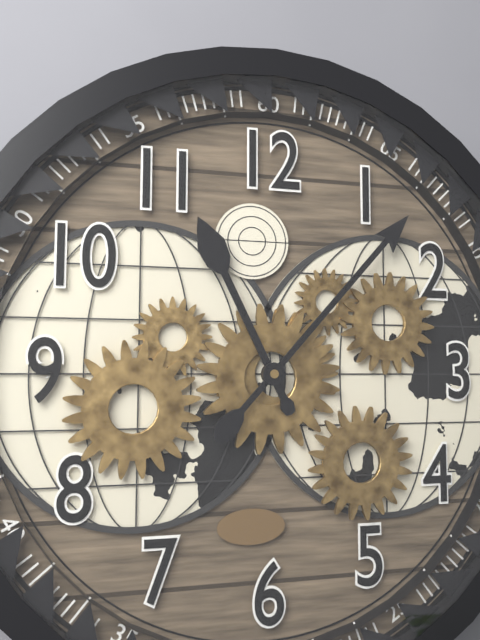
11 h 07 min
